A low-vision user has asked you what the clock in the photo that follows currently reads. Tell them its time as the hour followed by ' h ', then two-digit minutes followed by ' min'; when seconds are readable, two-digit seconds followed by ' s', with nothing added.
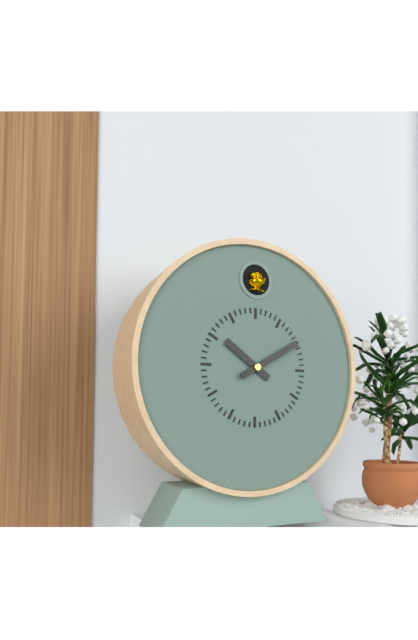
10 h 10 min
